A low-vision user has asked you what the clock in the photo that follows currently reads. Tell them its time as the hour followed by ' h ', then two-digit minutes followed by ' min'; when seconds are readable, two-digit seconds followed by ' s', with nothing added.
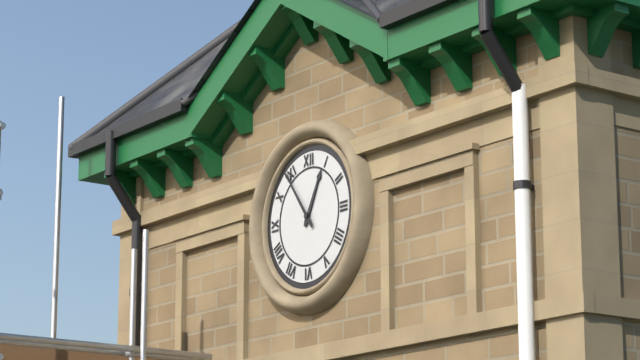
12 h 54 min
